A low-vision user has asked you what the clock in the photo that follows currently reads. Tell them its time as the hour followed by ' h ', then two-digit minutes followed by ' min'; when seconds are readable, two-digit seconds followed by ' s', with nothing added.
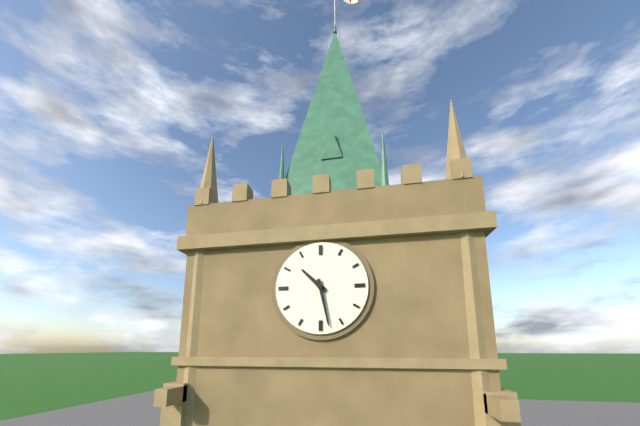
10 h 28 min
